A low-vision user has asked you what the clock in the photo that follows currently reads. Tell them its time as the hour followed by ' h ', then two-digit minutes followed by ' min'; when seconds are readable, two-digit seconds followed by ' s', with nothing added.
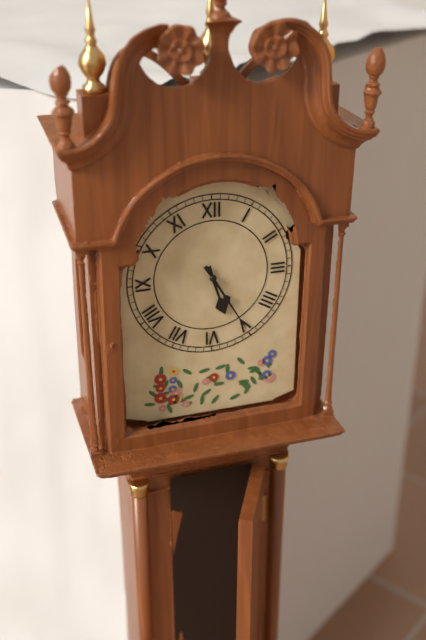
5 h 25 min
